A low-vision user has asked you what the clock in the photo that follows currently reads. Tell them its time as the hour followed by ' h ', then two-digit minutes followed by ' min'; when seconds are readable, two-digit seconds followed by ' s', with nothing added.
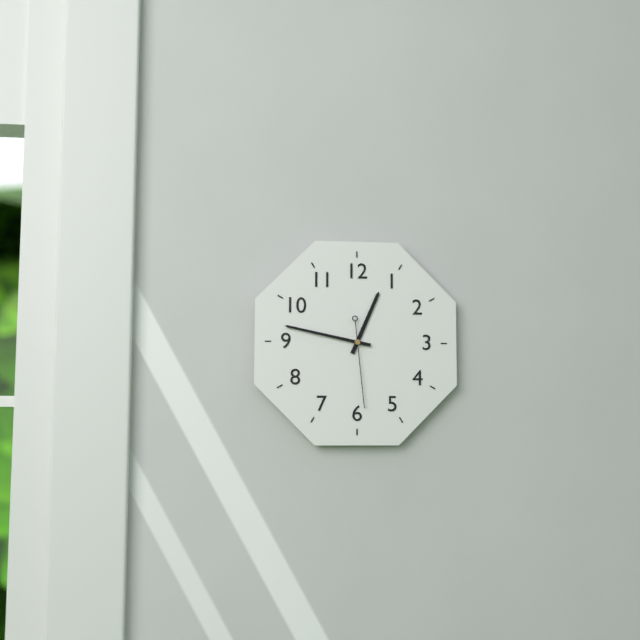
12 h 47 min 29 s
